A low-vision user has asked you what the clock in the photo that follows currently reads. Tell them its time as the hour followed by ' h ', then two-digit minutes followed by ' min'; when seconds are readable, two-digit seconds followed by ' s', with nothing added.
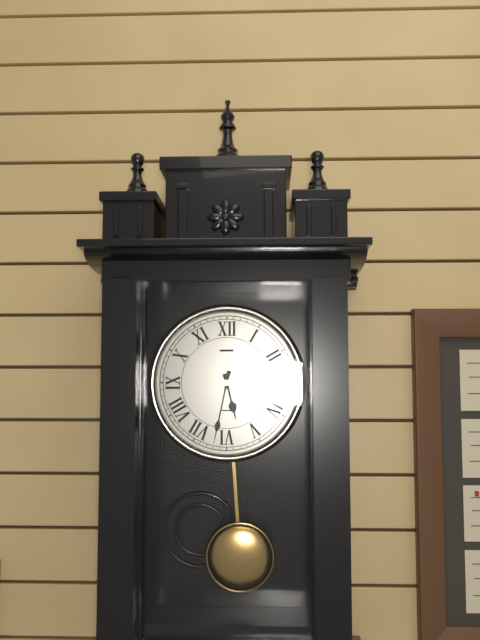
5 h 32 min
